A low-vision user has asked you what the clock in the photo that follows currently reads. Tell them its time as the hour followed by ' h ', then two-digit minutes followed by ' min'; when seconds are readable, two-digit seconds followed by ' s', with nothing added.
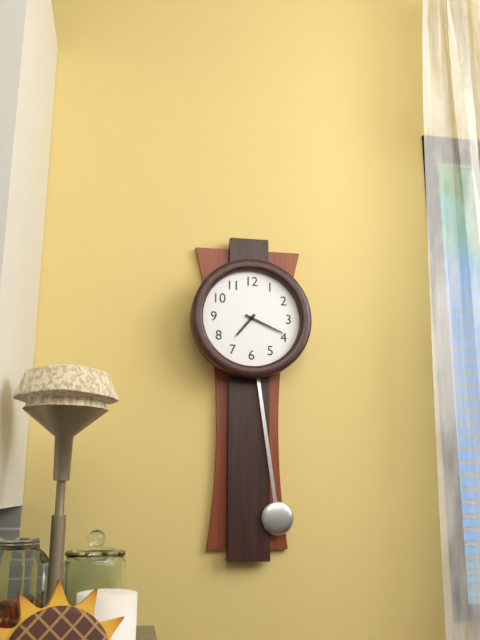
7 h 19 min
